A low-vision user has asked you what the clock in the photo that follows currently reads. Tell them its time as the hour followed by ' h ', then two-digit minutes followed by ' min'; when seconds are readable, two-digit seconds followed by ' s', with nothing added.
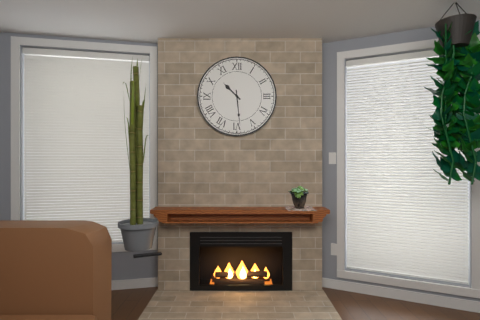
10 h 29 min
